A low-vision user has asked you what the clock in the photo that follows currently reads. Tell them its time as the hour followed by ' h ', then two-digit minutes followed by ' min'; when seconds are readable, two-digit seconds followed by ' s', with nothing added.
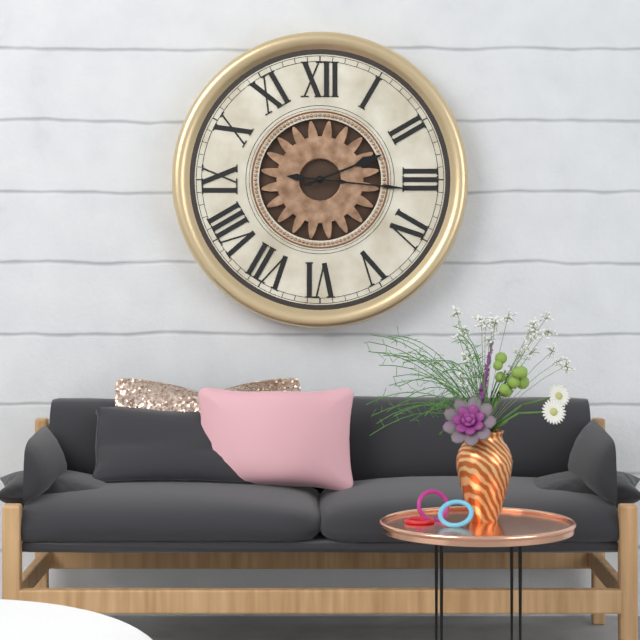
2 h 16 min
